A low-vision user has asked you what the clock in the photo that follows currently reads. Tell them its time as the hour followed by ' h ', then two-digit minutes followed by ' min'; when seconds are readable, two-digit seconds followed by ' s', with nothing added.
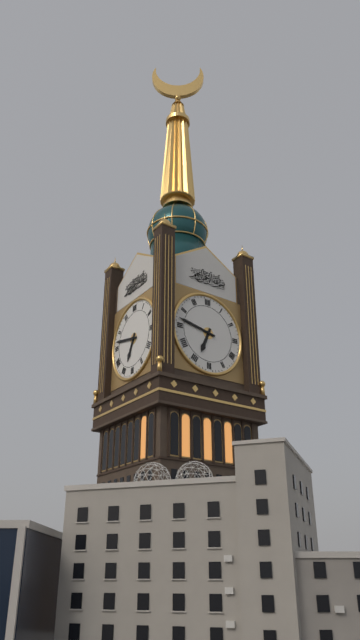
6 h 47 min
